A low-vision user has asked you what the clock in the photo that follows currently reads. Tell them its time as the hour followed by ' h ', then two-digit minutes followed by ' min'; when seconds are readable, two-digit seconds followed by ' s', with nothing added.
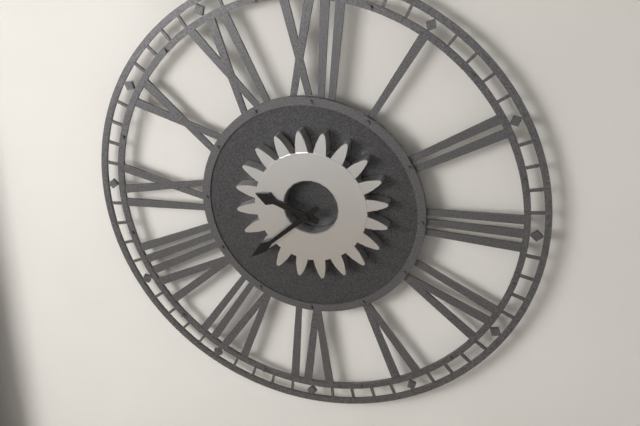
9 h 38 min
